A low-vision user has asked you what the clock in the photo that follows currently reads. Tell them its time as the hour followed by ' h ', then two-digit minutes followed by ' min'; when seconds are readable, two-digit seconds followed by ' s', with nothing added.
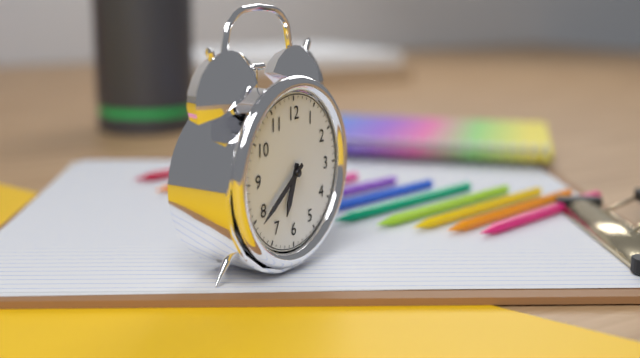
6 h 39 min
